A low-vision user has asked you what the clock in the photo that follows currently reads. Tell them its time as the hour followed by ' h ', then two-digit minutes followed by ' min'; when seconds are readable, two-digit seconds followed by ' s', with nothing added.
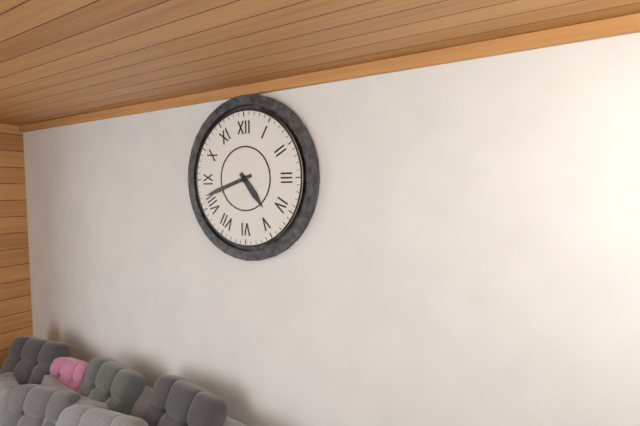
4 h 42 min
